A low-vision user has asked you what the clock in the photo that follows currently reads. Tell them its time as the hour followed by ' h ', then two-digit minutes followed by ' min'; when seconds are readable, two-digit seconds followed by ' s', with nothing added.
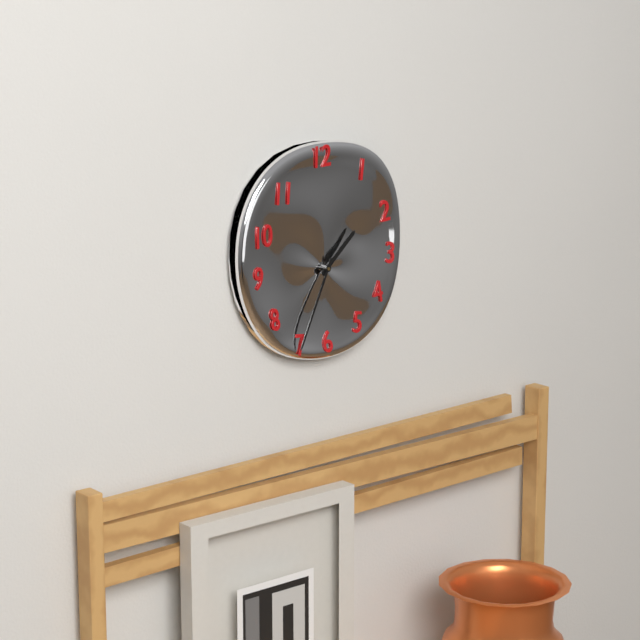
1 h 34 min
